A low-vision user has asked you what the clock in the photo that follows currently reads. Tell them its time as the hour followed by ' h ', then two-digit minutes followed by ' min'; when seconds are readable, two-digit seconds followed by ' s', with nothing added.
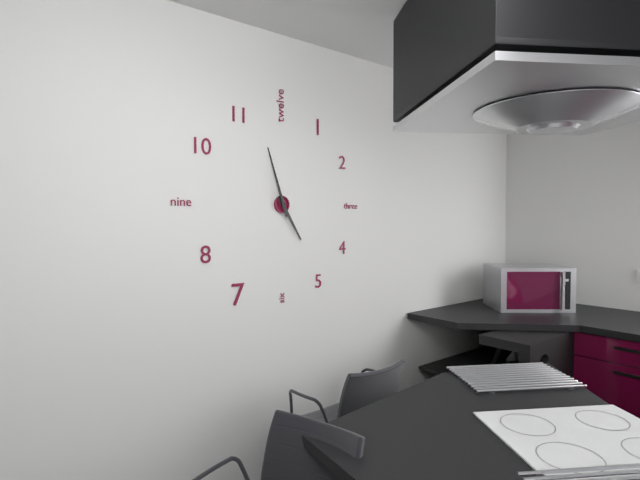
4 h 57 min
